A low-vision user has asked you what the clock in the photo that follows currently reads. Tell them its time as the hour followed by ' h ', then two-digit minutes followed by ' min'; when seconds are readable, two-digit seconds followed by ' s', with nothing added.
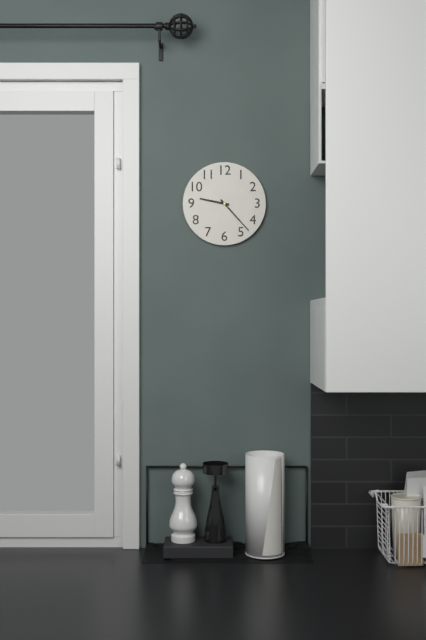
9 h 23 min
